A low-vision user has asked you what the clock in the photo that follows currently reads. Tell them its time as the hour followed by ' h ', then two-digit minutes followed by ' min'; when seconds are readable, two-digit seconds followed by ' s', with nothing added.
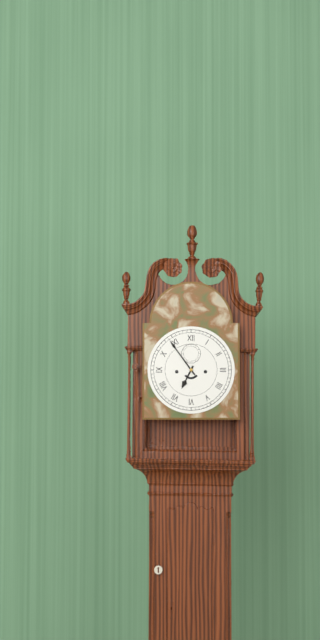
6 h 54 min
